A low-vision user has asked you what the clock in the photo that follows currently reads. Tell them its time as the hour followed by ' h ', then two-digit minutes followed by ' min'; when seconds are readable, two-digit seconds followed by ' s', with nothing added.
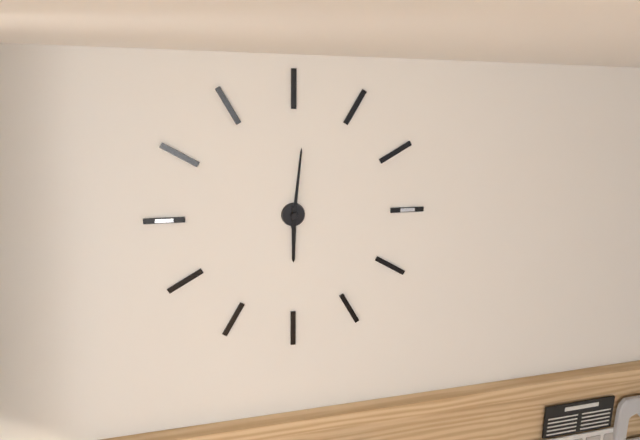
6 h 01 min
